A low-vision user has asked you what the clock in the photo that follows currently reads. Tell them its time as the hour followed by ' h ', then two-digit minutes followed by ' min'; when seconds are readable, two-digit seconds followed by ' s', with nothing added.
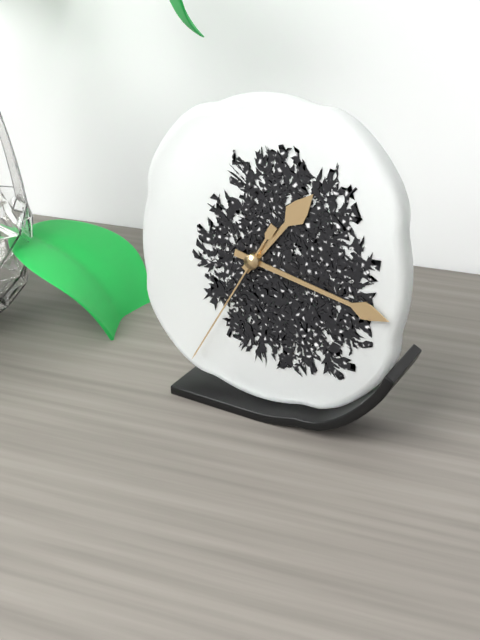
1 h 17 min 35 s
